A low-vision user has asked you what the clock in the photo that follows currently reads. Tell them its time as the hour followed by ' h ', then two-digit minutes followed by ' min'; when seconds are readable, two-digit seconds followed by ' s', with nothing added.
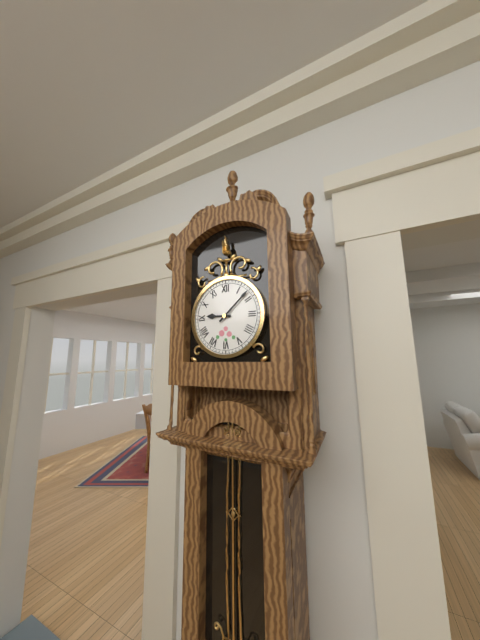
9 h 08 min
